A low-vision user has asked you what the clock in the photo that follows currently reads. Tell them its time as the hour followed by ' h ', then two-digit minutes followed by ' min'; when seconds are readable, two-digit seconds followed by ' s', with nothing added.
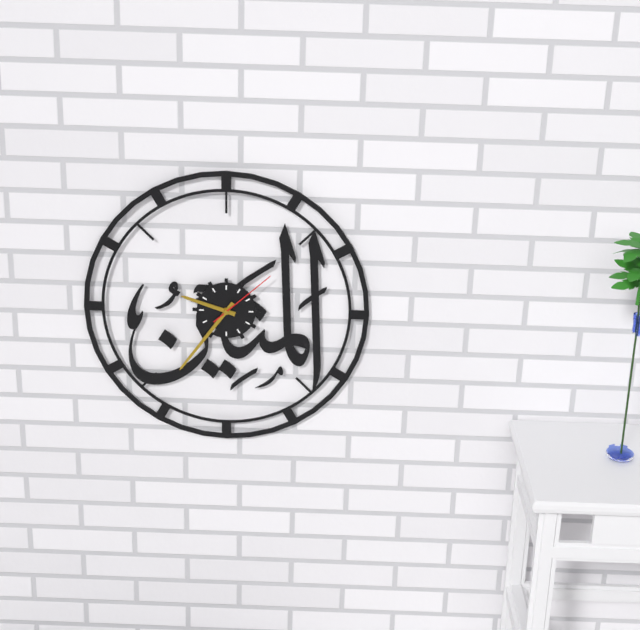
9 h 36 min 08 s
